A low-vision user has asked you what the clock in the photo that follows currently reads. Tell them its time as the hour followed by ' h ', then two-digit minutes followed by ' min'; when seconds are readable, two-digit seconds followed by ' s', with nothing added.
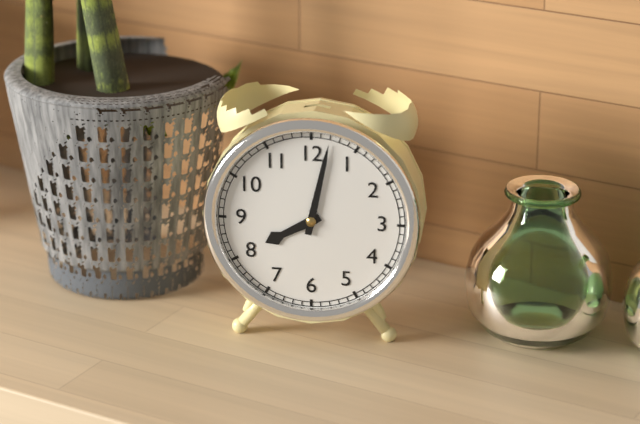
8 h 02 min
